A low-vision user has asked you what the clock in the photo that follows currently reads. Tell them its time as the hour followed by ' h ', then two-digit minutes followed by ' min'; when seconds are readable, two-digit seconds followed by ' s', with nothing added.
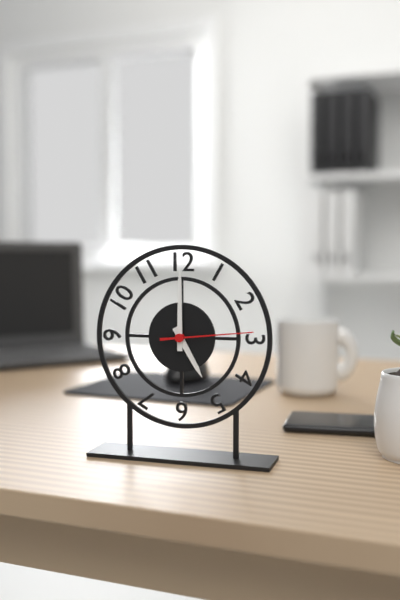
5 h 00 min 14 s
